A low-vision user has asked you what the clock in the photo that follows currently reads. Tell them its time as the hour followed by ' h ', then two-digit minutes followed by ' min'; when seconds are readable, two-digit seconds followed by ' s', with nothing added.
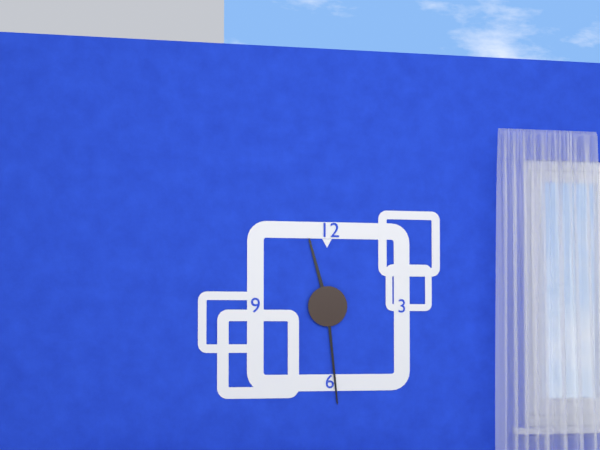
11 h 29 min
